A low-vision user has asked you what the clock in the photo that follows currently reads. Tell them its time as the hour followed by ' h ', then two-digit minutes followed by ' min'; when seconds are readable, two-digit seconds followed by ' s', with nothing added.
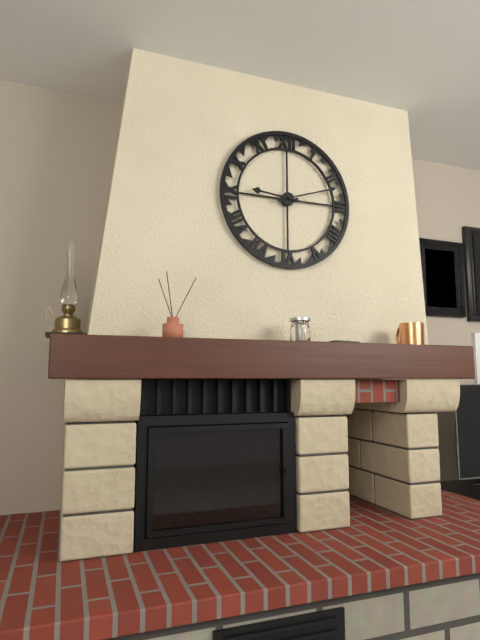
9 h 12 min
